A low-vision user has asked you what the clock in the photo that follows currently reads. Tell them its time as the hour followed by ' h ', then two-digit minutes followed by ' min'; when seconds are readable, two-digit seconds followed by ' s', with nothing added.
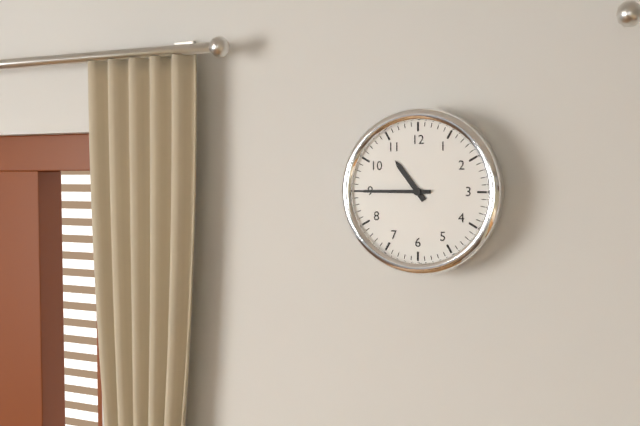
10 h 45 min
